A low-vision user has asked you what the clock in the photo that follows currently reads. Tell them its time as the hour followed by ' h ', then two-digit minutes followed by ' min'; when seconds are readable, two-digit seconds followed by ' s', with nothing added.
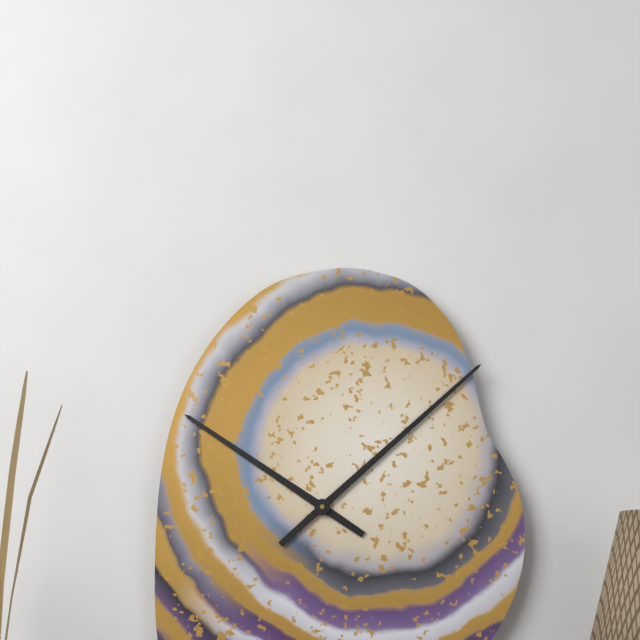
10 h 08 min
